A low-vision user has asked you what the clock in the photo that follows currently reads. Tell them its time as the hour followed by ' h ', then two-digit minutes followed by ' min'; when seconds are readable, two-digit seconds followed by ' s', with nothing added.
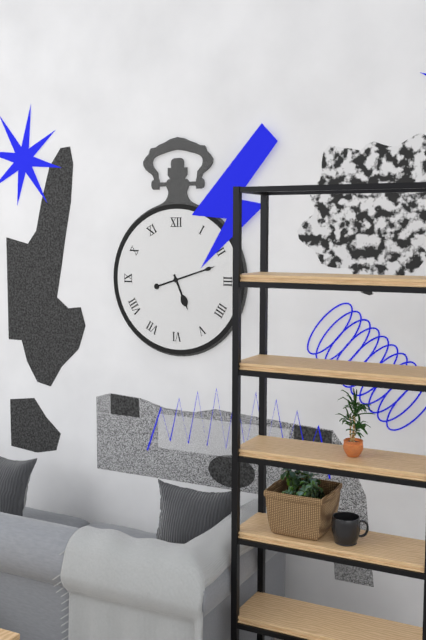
5 h 12 min
